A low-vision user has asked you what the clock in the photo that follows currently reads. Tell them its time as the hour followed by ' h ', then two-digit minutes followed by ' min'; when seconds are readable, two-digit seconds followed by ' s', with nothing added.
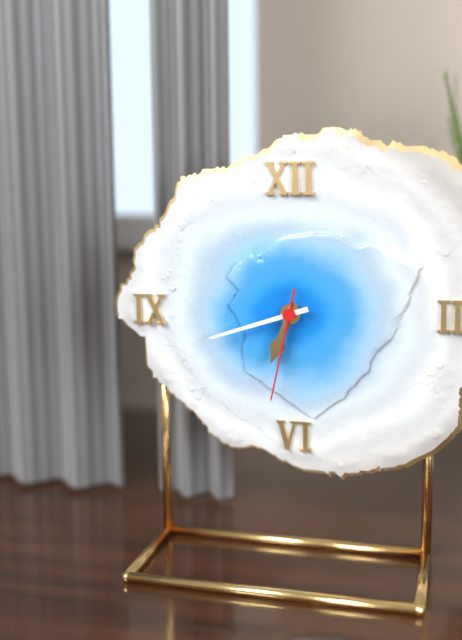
6 h 42 min 32 s
